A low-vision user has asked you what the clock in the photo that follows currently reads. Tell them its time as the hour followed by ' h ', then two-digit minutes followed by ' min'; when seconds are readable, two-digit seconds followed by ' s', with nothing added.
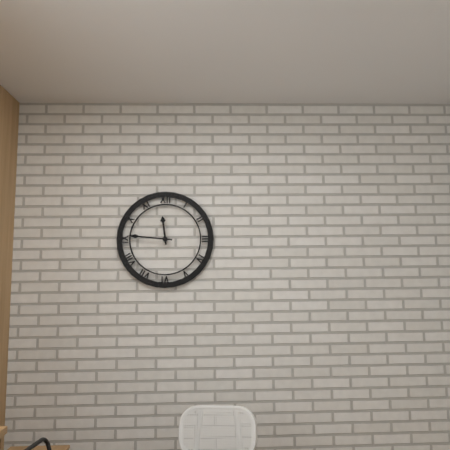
11 h 46 min
